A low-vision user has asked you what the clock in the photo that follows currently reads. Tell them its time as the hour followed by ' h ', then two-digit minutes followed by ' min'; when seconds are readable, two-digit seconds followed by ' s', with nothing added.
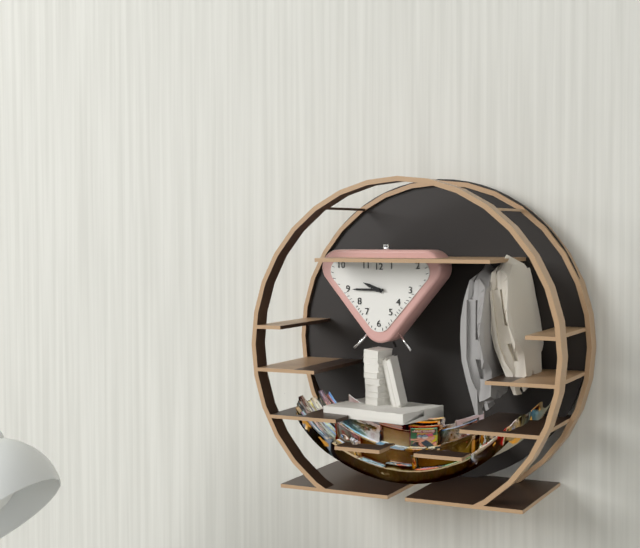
9 h 45 min
